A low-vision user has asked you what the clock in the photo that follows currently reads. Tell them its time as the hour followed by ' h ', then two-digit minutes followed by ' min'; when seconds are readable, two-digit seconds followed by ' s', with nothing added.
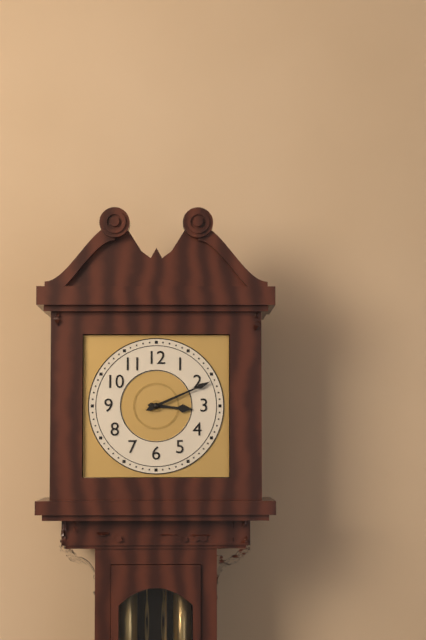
3 h 11 min
